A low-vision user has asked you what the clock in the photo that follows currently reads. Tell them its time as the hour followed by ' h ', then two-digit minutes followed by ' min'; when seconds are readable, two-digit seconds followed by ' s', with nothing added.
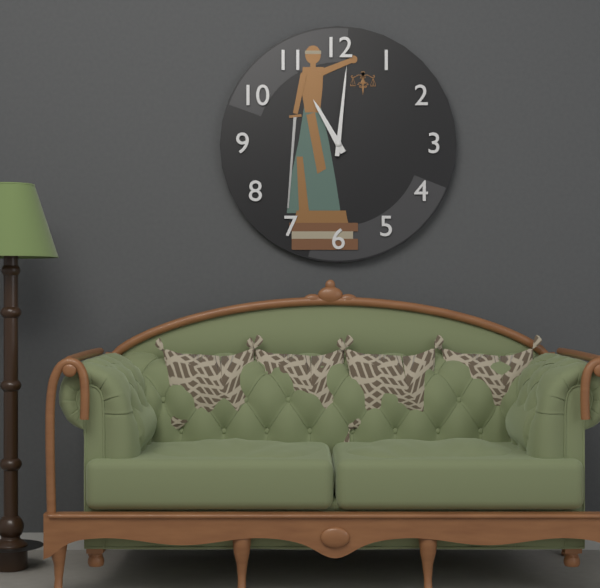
11 h 01 min
